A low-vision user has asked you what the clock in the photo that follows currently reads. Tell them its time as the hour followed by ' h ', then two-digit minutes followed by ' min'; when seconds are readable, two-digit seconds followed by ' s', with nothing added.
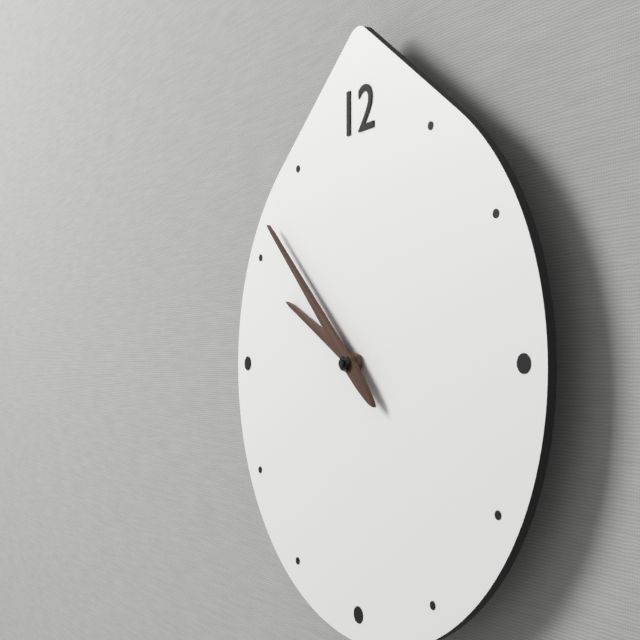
9 h 52 min
